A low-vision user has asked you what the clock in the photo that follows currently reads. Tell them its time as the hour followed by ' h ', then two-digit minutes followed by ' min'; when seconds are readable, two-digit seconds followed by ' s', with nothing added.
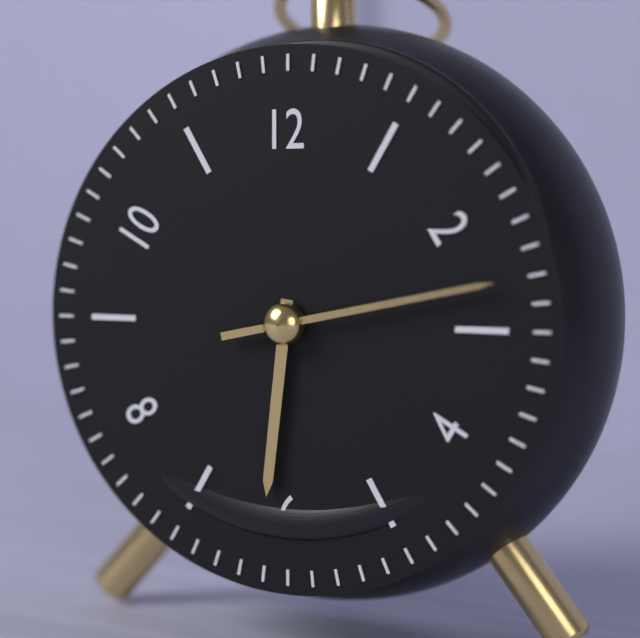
6 h 13 min
